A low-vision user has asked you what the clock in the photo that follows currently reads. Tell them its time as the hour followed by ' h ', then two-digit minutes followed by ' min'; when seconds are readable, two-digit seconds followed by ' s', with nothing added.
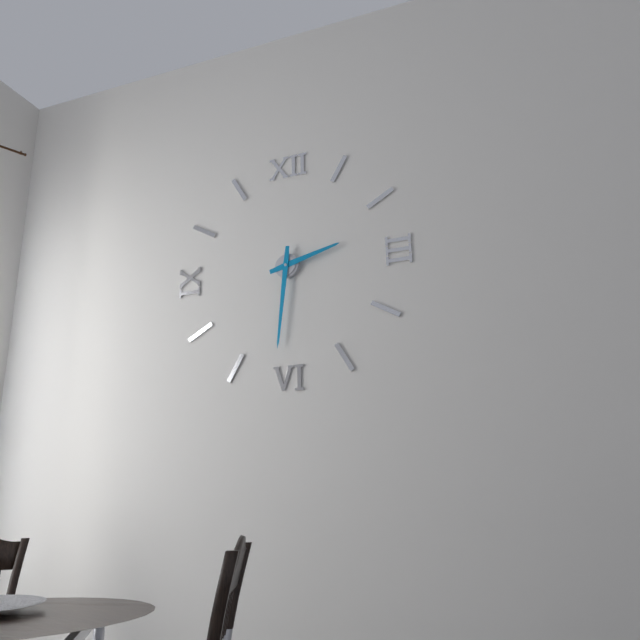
2 h 31 min
